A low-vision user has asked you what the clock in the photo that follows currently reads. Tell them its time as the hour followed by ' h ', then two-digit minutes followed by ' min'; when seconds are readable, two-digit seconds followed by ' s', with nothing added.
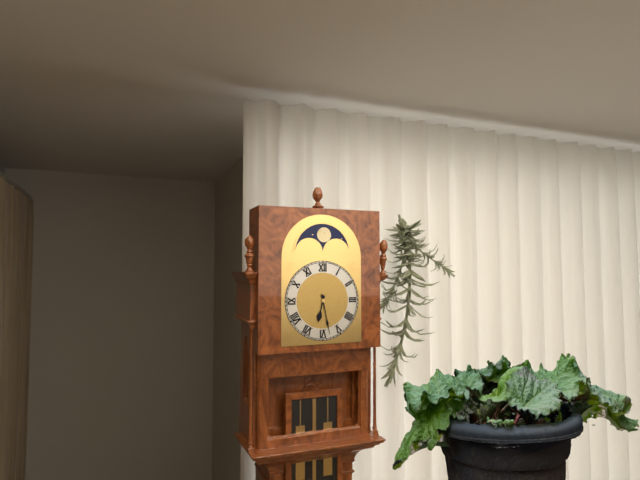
6 h 28 min
